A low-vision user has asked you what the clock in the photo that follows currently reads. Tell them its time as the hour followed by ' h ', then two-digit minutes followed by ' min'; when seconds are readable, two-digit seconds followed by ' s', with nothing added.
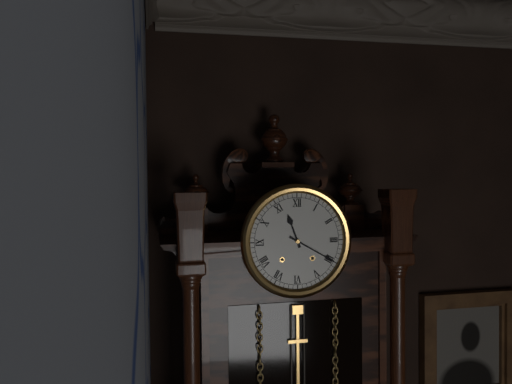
11 h 20 min
